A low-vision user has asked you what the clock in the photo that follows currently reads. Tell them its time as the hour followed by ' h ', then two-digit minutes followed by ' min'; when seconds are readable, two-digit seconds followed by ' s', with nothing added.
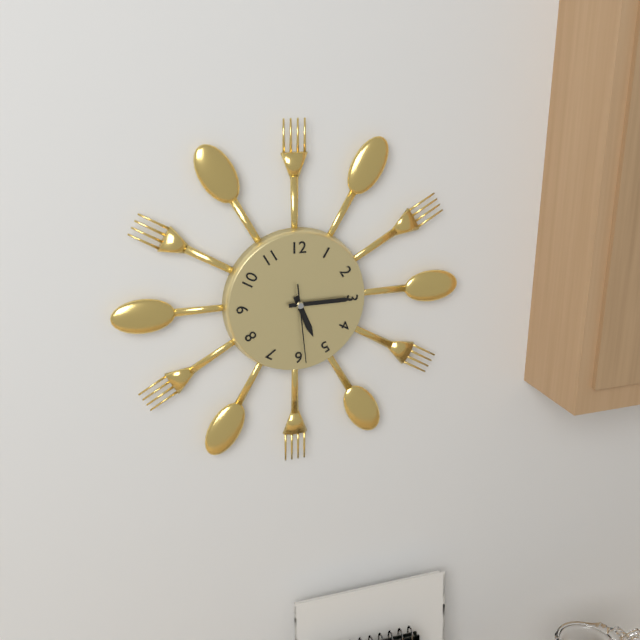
5 h 15 min 29 s
